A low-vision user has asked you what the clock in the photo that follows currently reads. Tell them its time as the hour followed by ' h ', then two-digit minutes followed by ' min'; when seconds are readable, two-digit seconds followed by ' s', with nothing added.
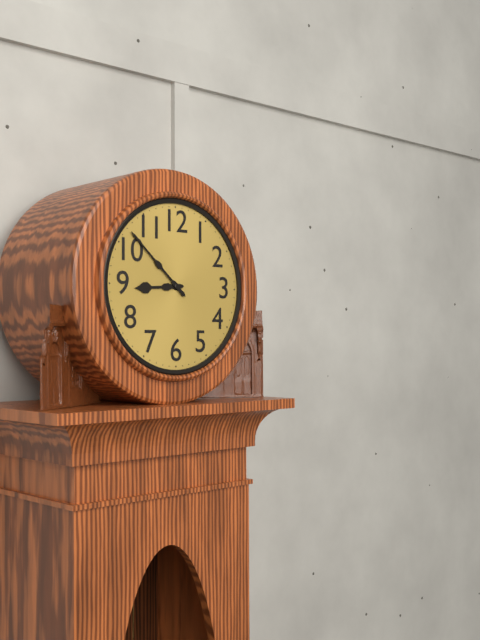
8 h 52 min
